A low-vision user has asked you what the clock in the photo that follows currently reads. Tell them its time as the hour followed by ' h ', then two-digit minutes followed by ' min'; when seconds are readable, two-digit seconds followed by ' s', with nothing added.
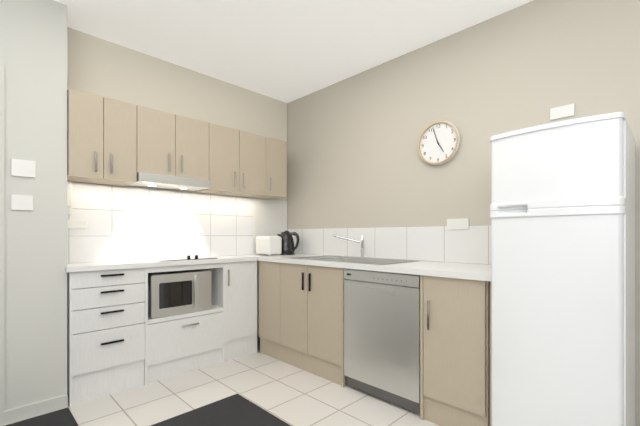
4 h 57 min
